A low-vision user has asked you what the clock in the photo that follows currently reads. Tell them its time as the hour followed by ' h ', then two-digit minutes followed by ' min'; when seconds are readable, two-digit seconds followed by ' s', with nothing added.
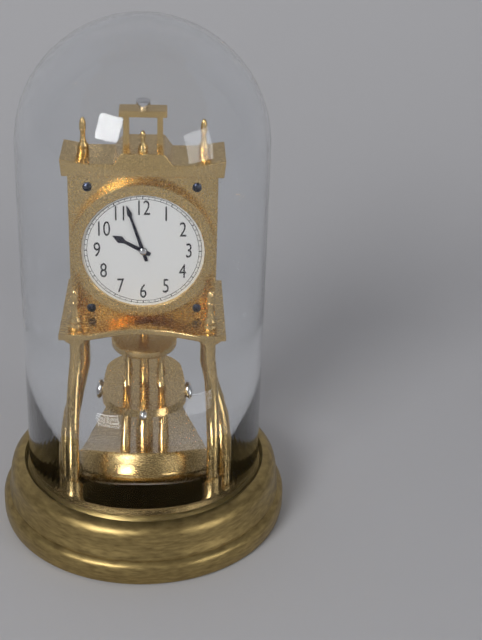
9 h 57 min
